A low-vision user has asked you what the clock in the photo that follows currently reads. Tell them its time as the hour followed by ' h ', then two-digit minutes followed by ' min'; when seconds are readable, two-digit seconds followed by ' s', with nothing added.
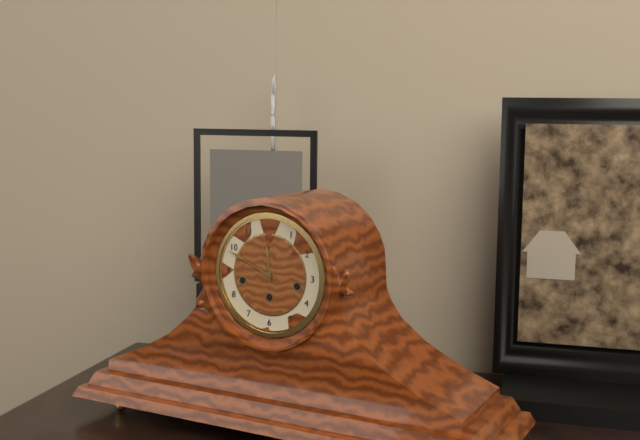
11 h 49 min
